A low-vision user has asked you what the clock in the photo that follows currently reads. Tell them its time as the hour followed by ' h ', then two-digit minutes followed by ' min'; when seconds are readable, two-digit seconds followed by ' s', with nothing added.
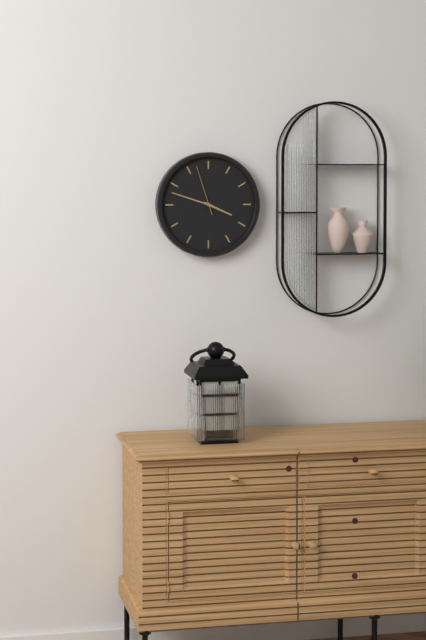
3 h 48 min 57 s
